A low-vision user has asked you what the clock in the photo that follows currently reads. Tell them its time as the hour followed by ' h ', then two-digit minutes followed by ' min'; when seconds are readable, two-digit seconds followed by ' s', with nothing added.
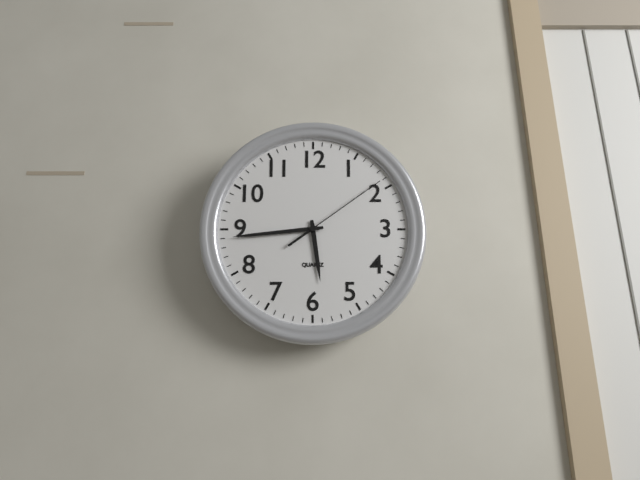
5 h 44 min 09 s
